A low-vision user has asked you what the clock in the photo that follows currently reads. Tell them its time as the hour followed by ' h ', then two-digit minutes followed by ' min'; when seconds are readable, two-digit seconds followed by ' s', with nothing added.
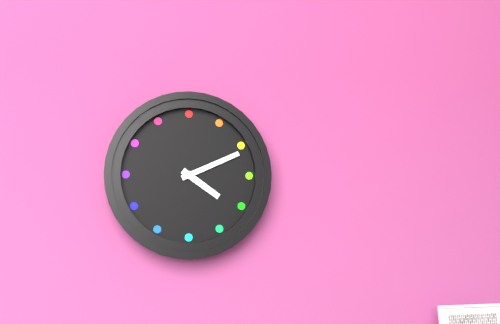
4 h 11 min
